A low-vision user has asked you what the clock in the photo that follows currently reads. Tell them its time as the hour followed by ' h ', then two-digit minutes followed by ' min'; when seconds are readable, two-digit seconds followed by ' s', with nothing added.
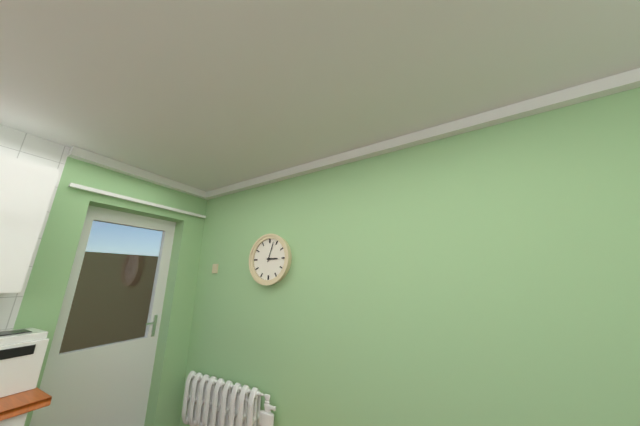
3 h 03 min
